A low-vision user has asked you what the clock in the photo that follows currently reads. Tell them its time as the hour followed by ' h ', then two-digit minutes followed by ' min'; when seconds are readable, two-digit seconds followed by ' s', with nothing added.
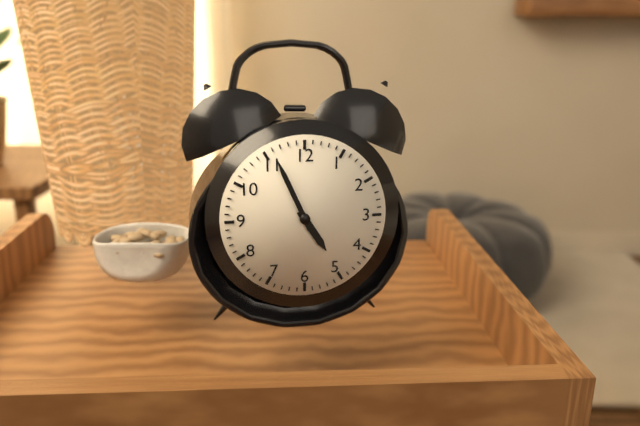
4 h 56 min
